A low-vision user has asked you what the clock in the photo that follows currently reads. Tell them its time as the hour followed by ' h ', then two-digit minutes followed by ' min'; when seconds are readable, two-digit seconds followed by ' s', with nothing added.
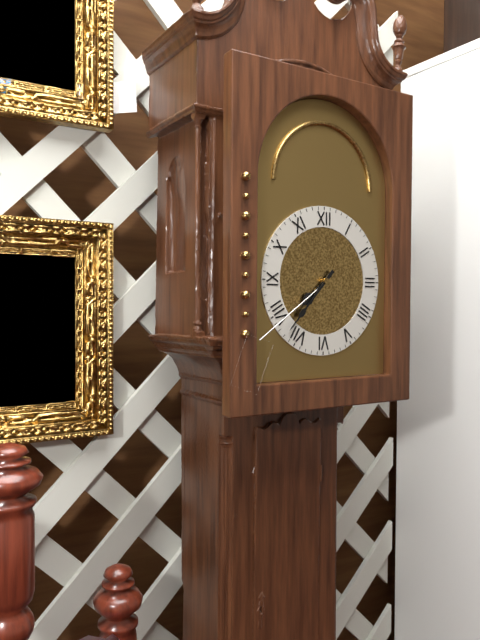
7 h 37 min
